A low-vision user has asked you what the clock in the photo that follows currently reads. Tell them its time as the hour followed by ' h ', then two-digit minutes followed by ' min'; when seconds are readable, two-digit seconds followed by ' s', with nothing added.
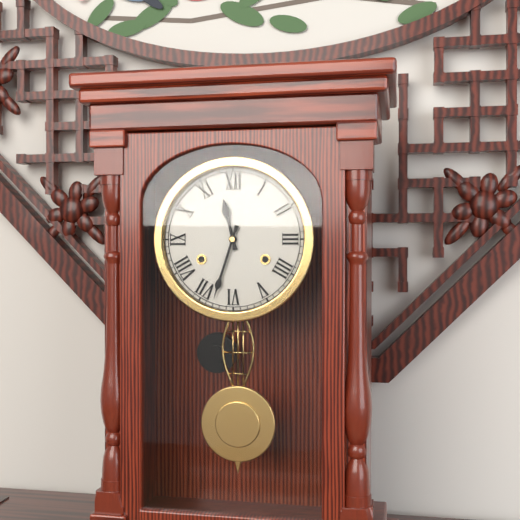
11 h 33 min
